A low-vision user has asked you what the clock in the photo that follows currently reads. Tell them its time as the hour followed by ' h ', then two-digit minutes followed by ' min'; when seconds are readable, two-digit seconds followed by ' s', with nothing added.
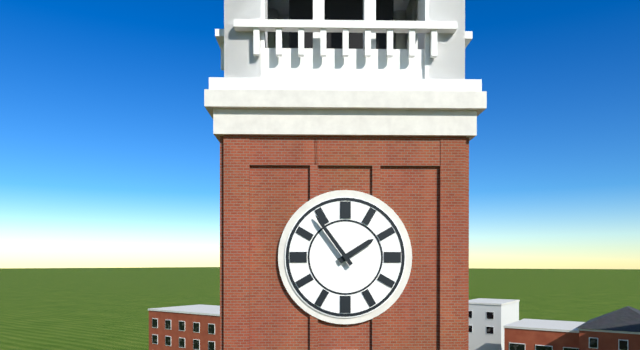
1 h 54 min
